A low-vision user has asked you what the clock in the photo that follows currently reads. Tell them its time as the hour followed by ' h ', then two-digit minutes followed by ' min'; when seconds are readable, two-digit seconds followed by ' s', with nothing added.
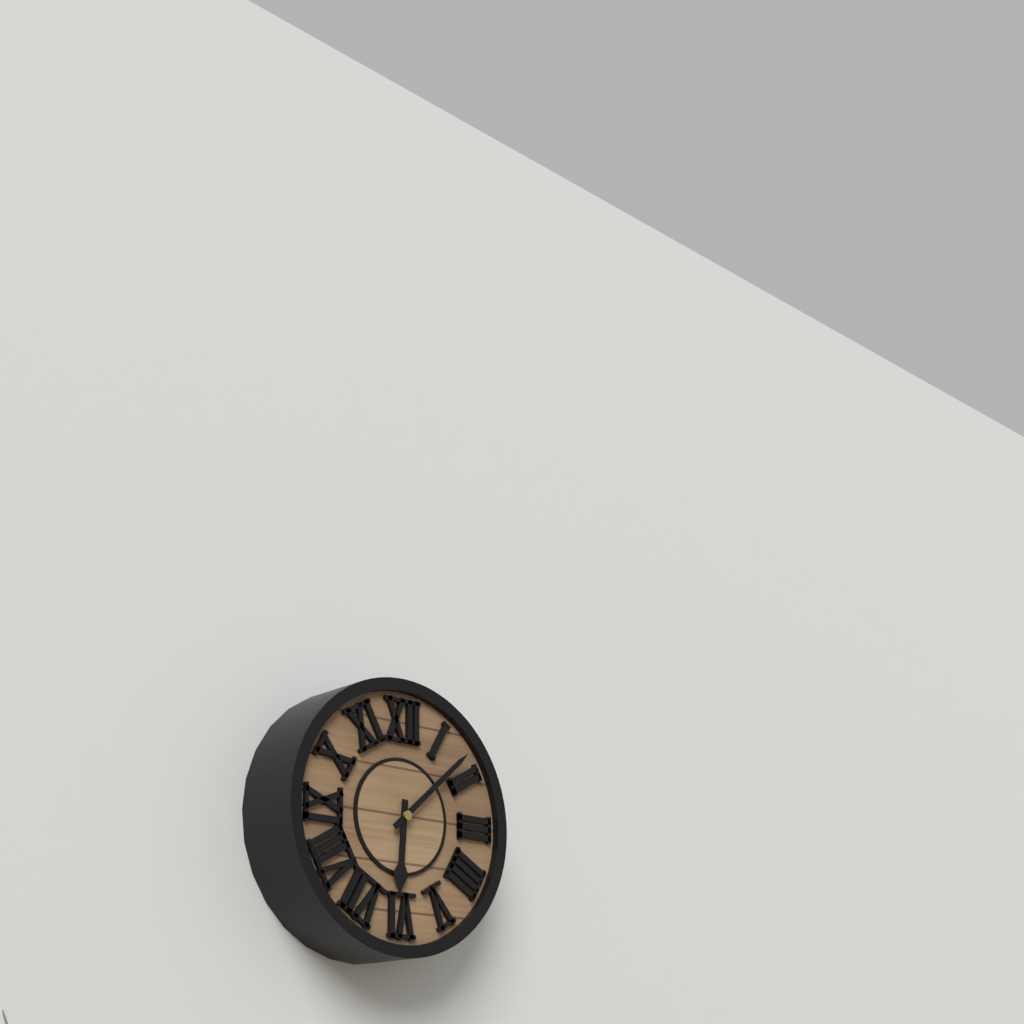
6 h 08 min
